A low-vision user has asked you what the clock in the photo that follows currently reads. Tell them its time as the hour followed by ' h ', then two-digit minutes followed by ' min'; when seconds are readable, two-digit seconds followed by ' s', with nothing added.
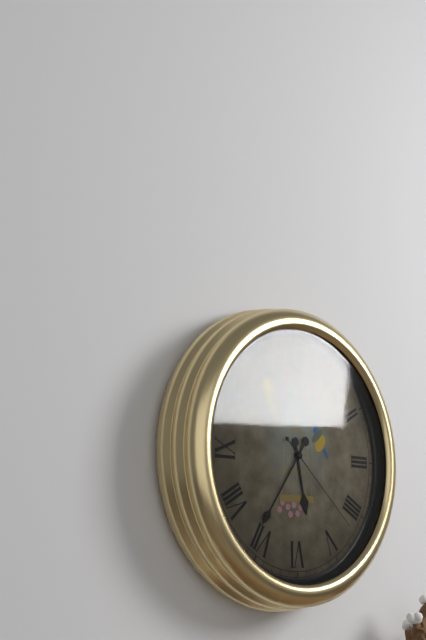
5 h 36 min 22 s
